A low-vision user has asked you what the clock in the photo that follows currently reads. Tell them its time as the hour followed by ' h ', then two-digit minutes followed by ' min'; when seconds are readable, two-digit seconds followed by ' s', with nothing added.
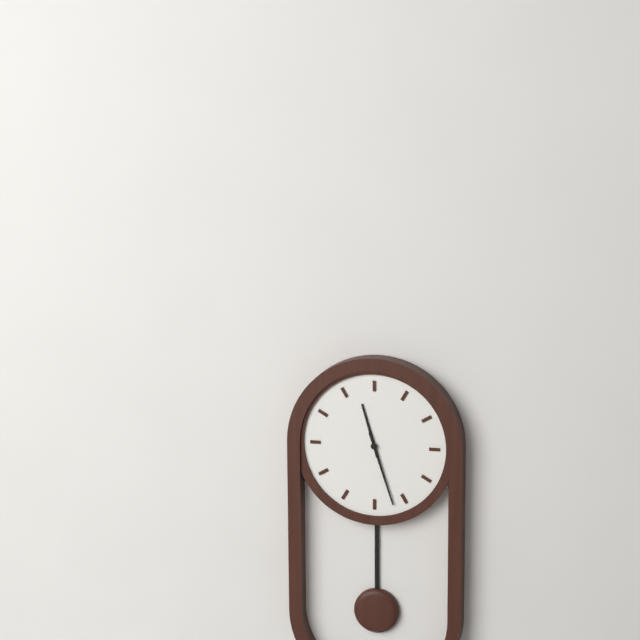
11 h 27 min
